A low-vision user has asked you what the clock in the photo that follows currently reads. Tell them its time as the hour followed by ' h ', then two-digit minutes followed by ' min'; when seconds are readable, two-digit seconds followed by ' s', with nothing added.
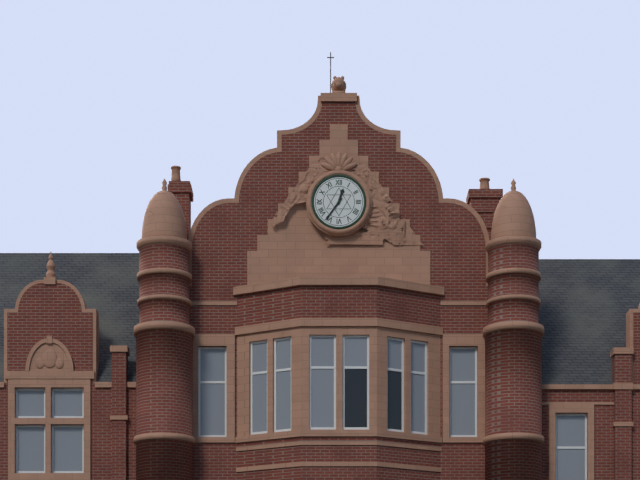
12 h 36 min
